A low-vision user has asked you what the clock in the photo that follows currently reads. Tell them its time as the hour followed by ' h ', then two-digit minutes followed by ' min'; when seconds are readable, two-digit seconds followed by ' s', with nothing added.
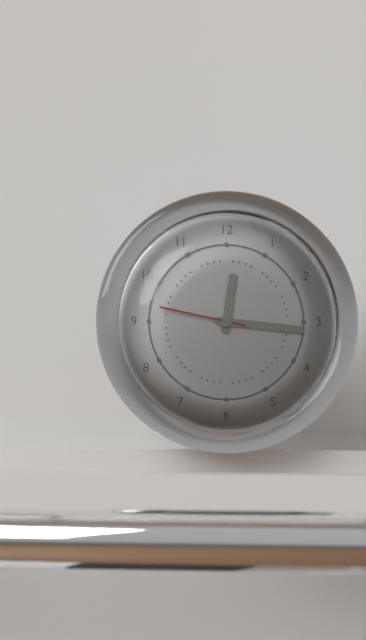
12 h 16 min 47 s
